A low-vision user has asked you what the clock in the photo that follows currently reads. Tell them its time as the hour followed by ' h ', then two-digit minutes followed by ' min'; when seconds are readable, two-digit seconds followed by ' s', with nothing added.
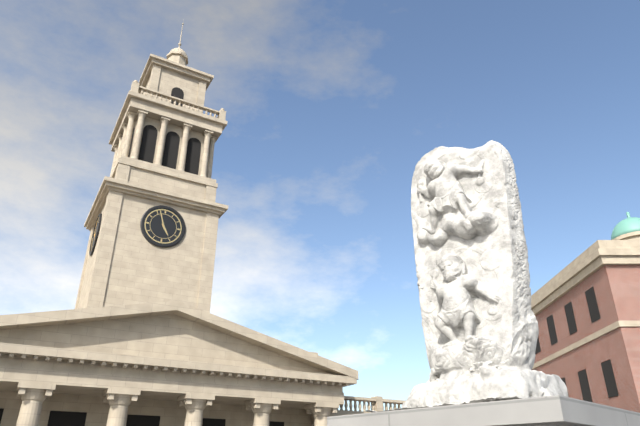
4 h 57 min
